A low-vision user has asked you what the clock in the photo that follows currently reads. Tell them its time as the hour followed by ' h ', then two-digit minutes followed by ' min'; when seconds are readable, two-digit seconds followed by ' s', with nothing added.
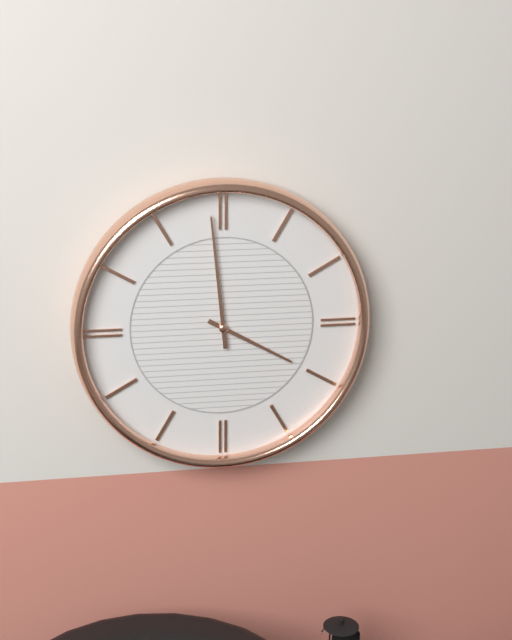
3 h 59 min
